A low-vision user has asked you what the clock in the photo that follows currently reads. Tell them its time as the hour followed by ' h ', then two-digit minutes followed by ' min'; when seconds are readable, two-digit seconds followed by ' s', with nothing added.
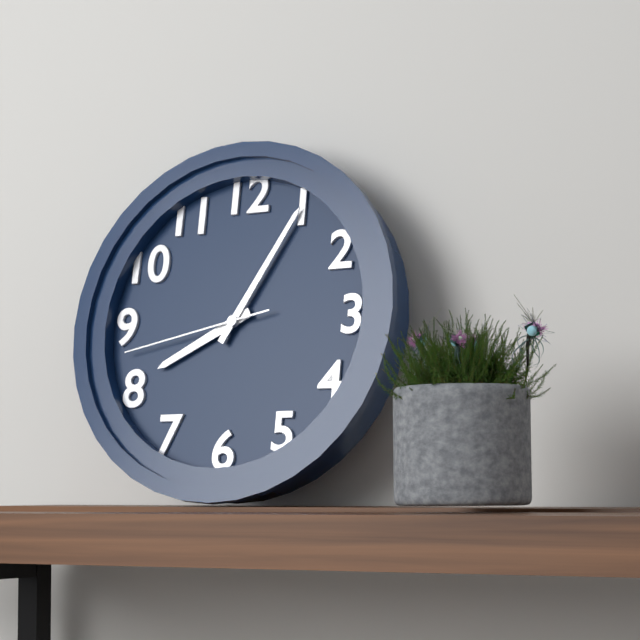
8 h 05 min 43 s
